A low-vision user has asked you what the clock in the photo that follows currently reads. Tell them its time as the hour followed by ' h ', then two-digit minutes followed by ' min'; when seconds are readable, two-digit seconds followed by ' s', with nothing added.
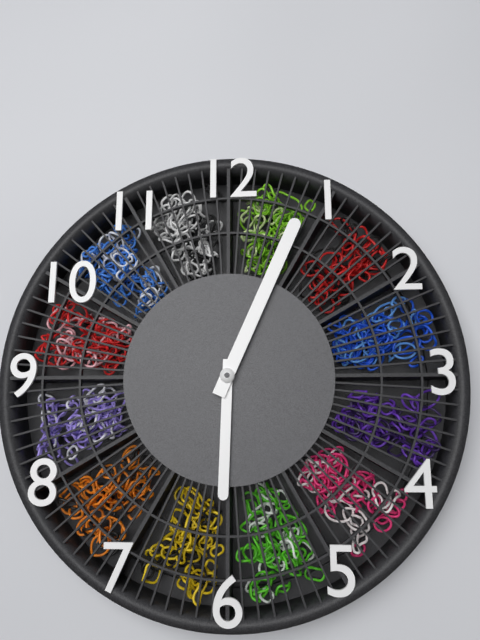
6 h 04 min
